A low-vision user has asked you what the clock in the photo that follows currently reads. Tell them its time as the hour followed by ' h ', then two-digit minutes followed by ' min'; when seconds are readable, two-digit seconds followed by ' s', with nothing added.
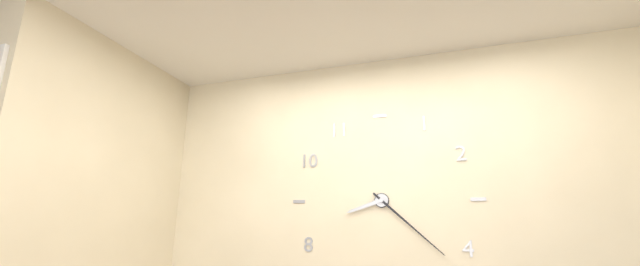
8 h 22 min
